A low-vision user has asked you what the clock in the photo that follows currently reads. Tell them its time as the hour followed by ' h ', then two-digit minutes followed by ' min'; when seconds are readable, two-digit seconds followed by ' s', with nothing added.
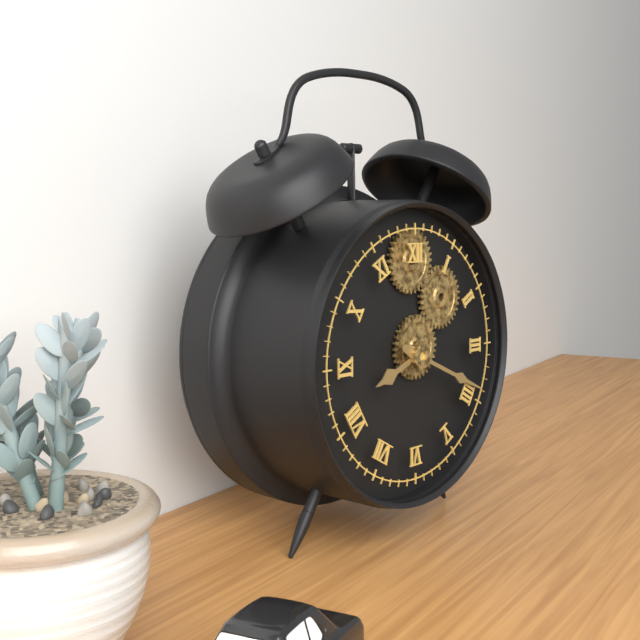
8 h 19 min
